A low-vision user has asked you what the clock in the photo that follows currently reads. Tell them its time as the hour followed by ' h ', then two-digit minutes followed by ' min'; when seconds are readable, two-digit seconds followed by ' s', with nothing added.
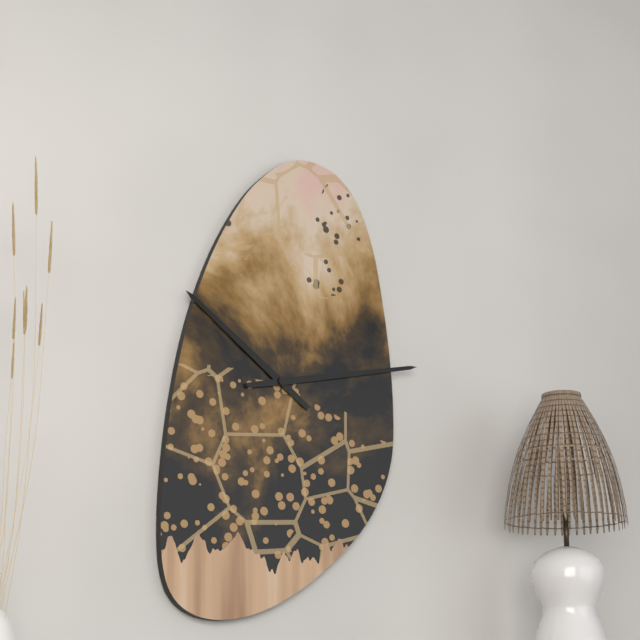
10 h 13 min
